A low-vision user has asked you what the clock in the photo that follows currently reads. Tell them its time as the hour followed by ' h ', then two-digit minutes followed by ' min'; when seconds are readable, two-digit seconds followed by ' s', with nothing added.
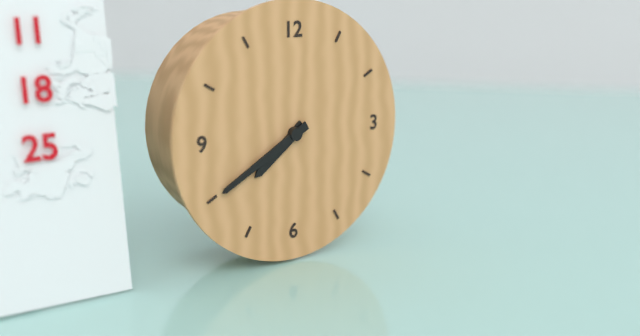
7 h 40 min
